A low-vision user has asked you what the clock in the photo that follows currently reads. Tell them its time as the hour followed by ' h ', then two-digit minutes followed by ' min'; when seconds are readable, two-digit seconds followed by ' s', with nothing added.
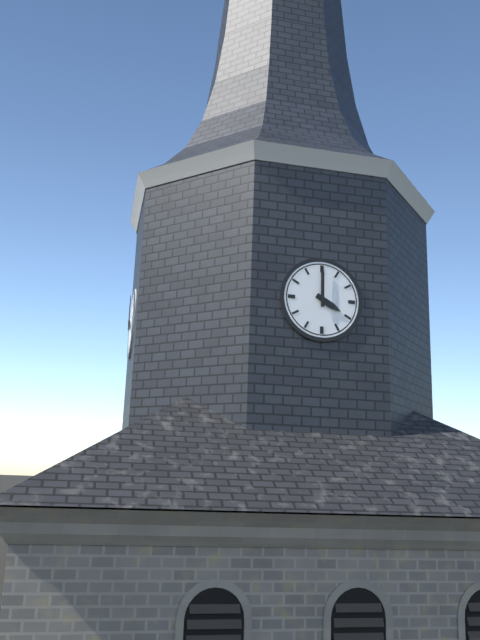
4 h 00 min
